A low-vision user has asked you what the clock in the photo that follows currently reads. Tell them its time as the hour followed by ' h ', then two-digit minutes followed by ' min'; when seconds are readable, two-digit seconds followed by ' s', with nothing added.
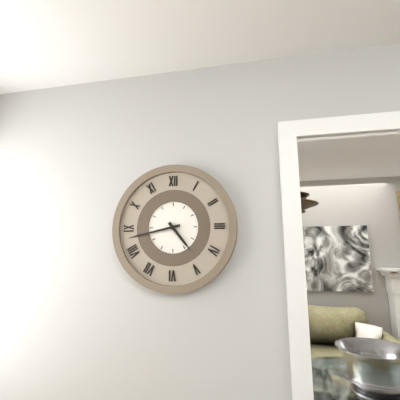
4 h 43 min
